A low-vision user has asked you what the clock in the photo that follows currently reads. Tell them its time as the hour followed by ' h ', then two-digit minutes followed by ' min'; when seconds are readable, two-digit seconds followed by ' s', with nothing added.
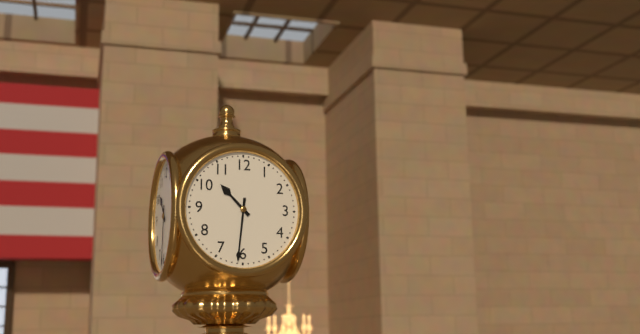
10 h 31 min
